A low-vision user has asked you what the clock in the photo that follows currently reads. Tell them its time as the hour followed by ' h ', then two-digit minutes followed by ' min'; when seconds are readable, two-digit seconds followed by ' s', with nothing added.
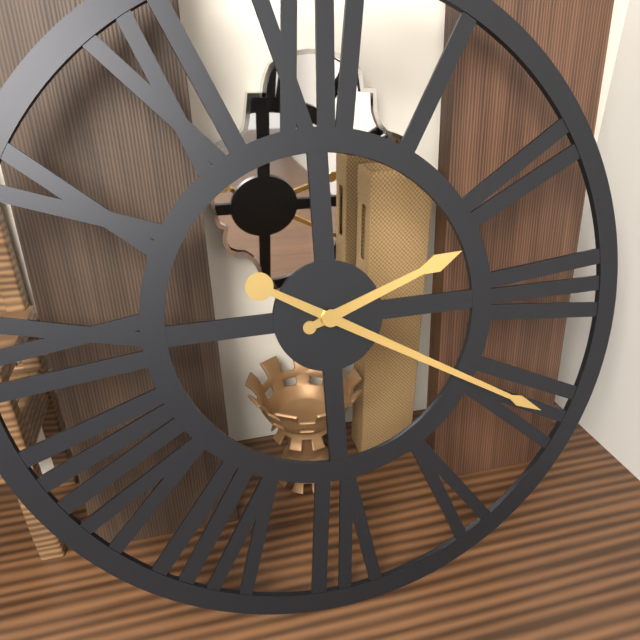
2 h 20 min
